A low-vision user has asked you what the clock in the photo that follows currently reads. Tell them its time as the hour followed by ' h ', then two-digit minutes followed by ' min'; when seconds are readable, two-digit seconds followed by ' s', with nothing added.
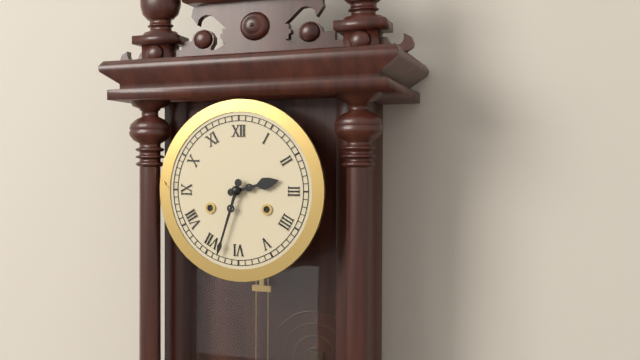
2 h 33 min
